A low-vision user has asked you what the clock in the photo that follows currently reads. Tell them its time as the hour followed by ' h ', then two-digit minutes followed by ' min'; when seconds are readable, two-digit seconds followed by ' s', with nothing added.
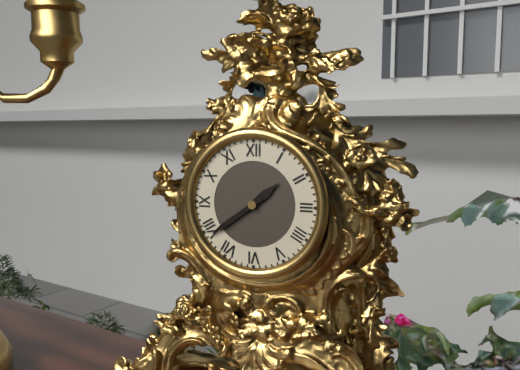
1 h 39 min
